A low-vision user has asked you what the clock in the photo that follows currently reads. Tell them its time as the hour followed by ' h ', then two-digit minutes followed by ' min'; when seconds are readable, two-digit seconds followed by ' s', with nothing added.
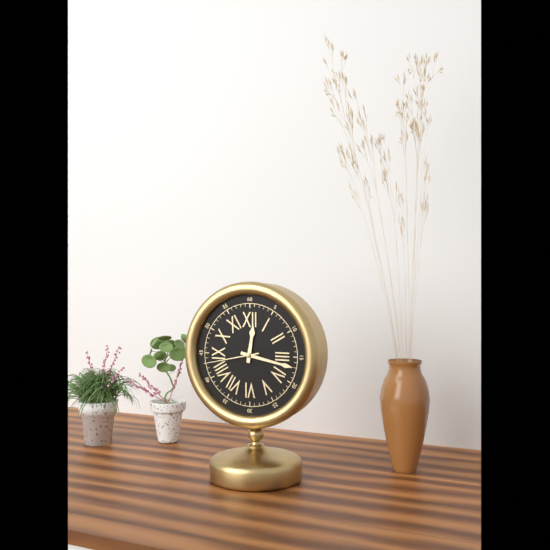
12 h 17 min 43 s
